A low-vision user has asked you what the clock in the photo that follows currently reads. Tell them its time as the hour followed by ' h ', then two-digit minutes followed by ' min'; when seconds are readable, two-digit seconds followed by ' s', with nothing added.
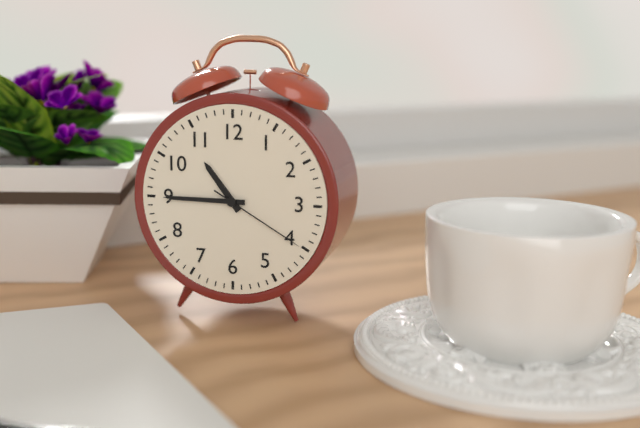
10 h 45 min 20 s
